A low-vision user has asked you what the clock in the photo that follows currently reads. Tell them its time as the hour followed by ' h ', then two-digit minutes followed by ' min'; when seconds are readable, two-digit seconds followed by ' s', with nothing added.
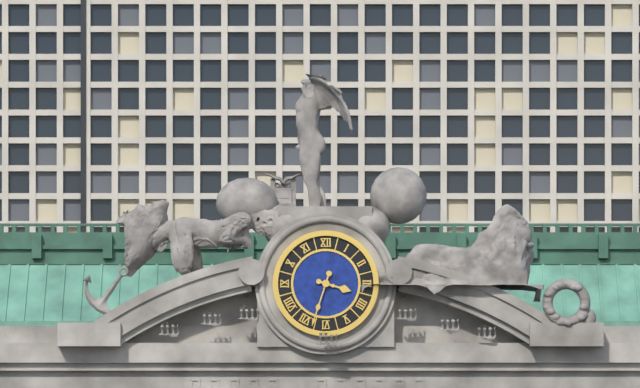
3 h 33 min
